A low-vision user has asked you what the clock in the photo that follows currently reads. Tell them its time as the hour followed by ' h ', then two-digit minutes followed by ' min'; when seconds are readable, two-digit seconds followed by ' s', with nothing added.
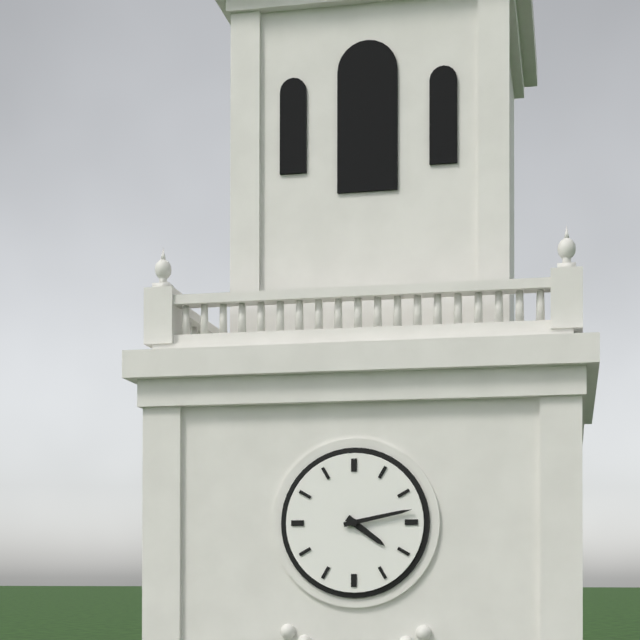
4 h 13 min
